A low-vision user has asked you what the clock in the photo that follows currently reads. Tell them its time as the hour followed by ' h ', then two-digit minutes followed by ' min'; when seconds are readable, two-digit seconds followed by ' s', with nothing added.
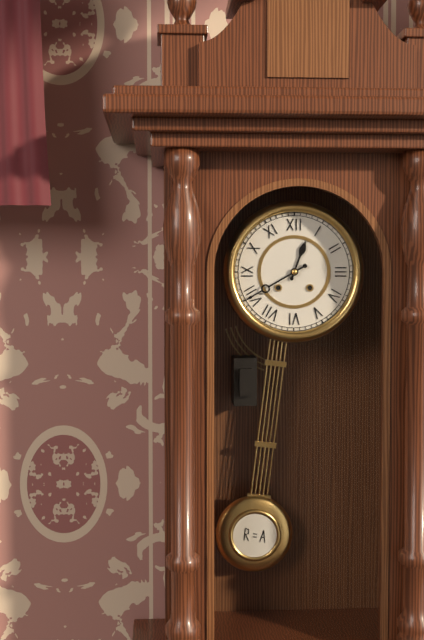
12 h 40 min
